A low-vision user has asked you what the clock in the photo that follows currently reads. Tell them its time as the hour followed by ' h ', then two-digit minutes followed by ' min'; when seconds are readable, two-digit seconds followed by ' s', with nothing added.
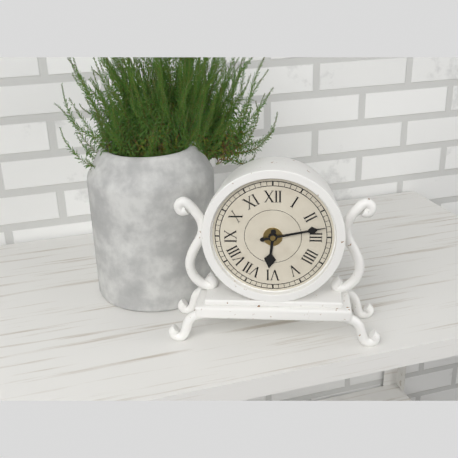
6 h 13 min
